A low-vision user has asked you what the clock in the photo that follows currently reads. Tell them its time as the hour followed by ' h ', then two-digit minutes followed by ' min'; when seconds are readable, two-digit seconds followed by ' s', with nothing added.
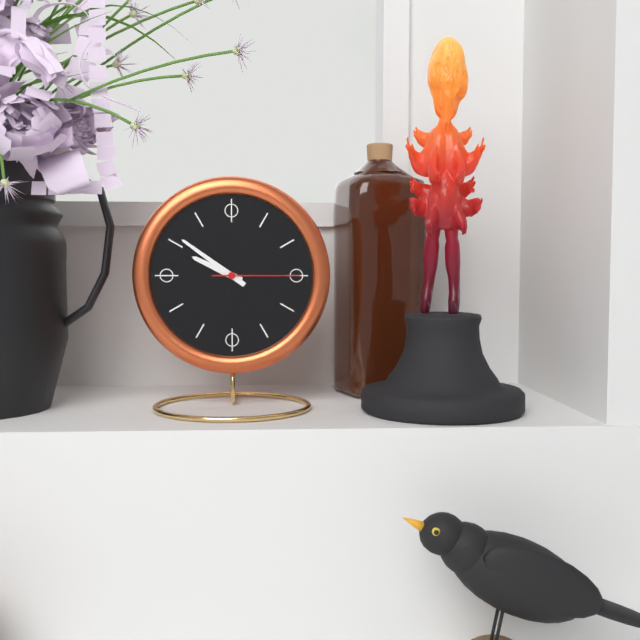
9 h 51 min 15 s
